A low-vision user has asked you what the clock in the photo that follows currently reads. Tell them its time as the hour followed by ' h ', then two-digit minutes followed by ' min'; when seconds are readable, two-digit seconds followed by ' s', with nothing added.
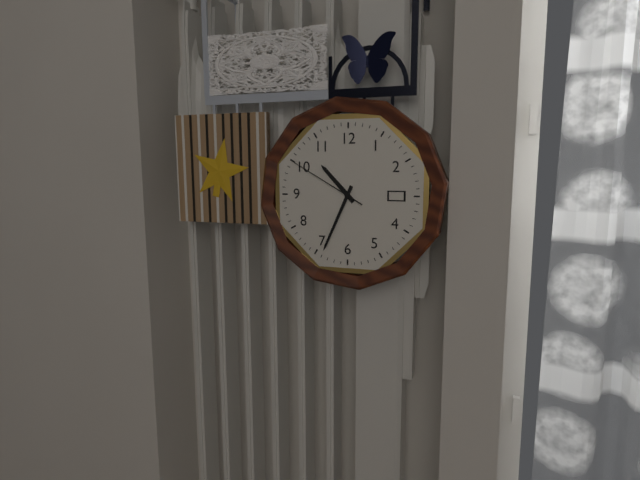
10 h 34 min 50 s
